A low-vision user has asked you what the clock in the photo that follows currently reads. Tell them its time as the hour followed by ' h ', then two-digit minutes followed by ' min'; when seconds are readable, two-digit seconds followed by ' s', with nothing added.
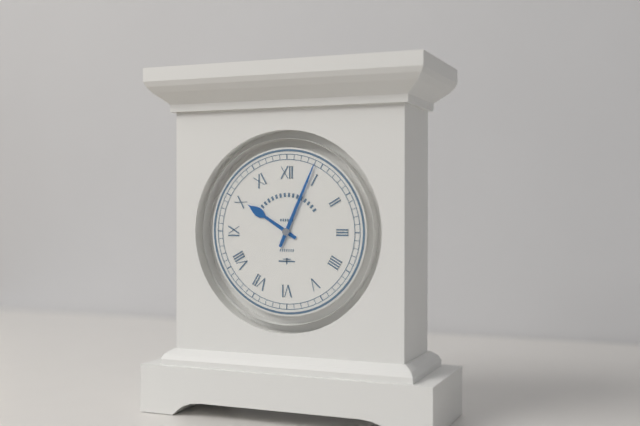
10 h 04 min
